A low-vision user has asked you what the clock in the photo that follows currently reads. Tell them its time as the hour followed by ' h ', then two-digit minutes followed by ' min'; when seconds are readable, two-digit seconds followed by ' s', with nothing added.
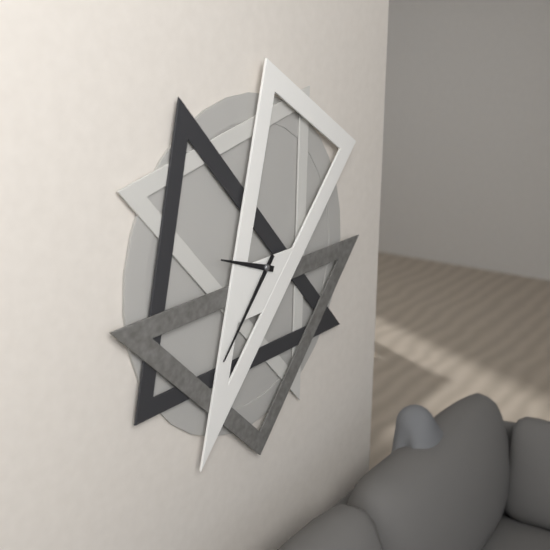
9 h 37 min
